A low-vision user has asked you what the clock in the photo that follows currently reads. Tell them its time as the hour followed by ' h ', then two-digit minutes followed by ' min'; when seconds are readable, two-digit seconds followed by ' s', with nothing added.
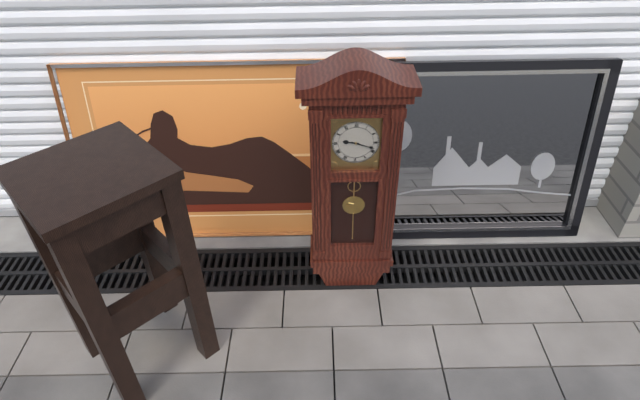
9 h 18 min
